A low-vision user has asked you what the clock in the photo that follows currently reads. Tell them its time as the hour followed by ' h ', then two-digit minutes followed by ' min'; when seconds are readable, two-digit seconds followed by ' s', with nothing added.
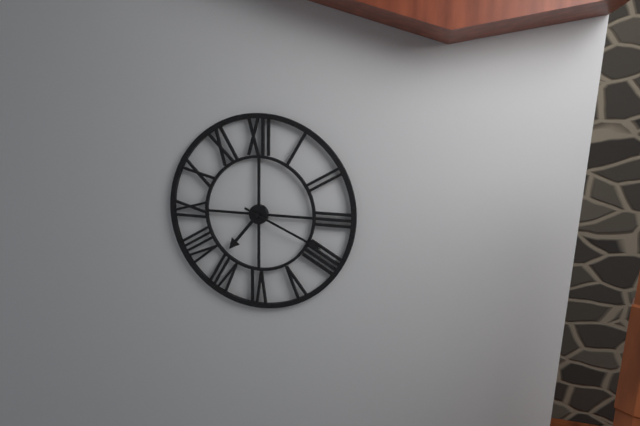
7 h 19 min
